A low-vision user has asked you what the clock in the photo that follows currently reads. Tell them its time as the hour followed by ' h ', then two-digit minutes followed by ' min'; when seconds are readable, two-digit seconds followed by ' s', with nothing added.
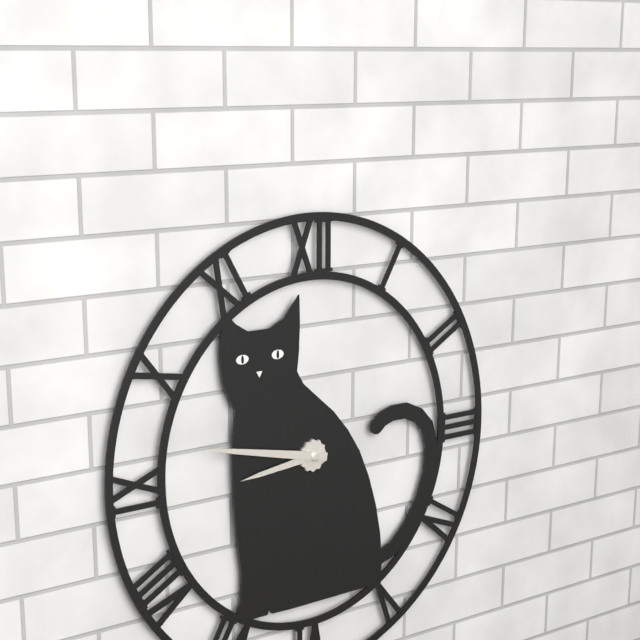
8 h 47 min
